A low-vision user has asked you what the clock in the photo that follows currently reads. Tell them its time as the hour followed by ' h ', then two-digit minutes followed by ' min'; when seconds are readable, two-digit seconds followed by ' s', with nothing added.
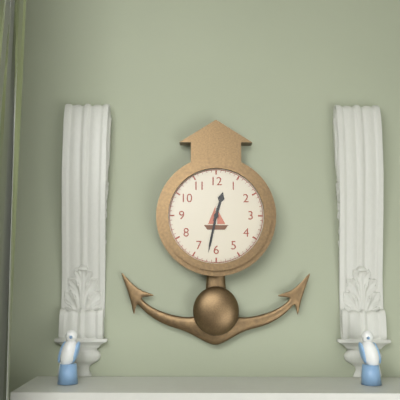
12 h 32 min
